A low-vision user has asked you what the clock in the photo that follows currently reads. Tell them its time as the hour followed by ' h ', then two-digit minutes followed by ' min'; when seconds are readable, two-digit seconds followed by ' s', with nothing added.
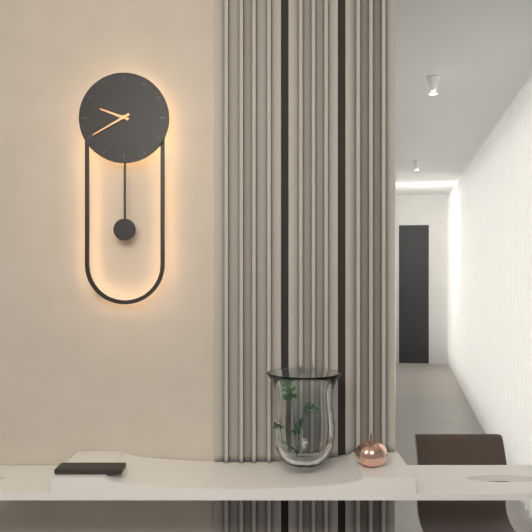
9 h 40 min
